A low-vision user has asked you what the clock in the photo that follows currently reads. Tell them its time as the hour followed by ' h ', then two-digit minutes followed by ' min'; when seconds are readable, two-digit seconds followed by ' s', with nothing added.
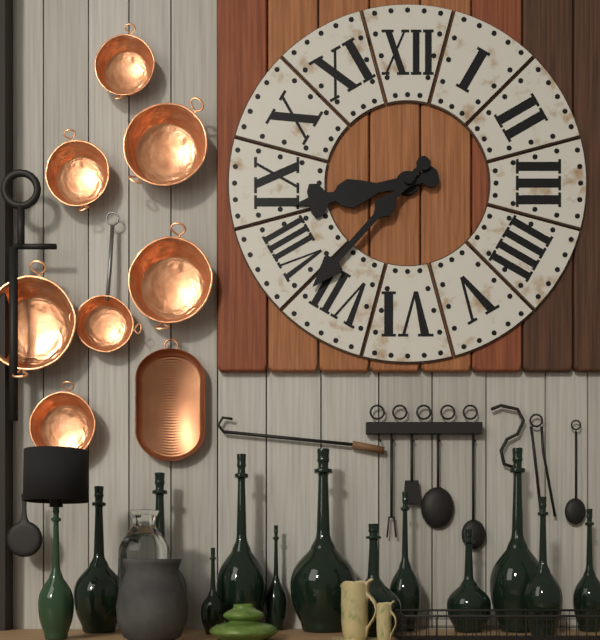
8 h 37 min
